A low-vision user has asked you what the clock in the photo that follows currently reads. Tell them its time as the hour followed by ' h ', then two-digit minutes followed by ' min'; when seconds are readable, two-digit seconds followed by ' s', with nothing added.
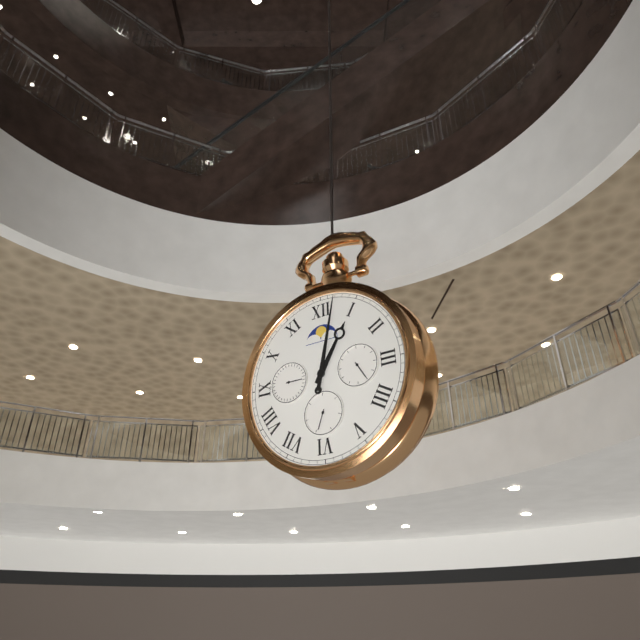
1 h 02 min
